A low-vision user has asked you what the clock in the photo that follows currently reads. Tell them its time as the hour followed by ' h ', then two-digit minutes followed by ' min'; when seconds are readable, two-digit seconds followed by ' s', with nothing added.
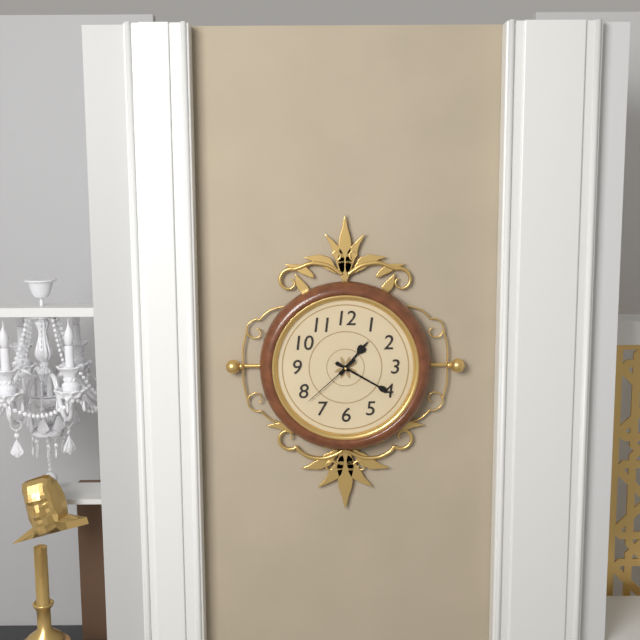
1 h 20 min 38 s
